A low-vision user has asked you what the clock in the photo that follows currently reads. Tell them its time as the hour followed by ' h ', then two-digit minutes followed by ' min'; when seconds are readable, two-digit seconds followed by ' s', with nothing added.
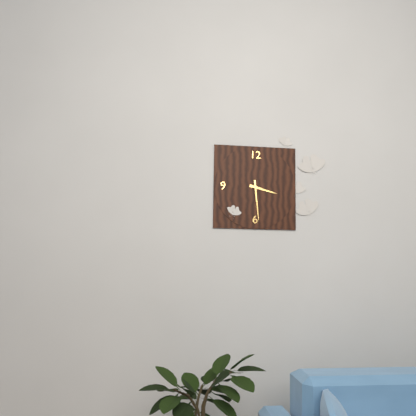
3 h 29 min
